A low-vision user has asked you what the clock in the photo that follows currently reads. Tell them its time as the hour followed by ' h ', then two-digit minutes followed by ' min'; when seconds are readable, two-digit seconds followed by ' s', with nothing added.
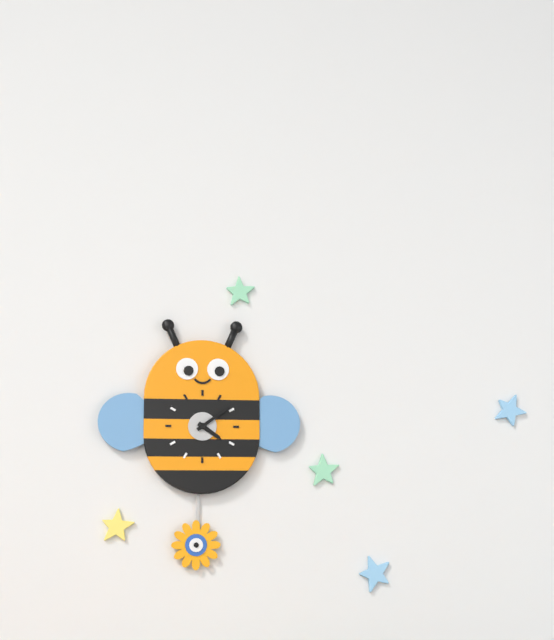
4 h 09 min
